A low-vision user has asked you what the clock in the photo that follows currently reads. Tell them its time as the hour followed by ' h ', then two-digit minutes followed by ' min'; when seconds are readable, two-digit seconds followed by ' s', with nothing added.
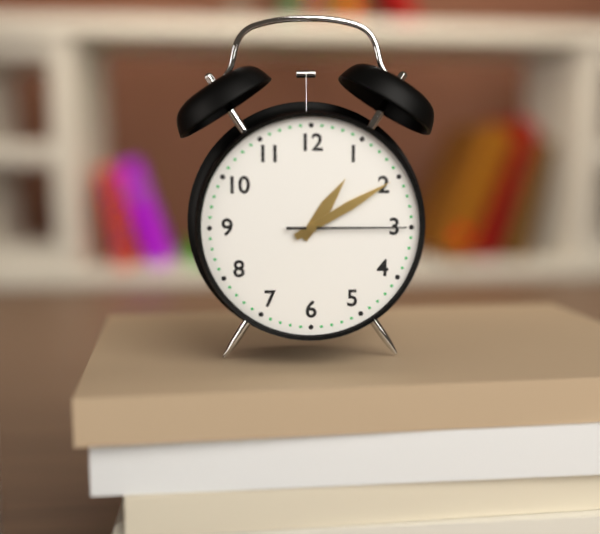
1 h 10 min 15 s
